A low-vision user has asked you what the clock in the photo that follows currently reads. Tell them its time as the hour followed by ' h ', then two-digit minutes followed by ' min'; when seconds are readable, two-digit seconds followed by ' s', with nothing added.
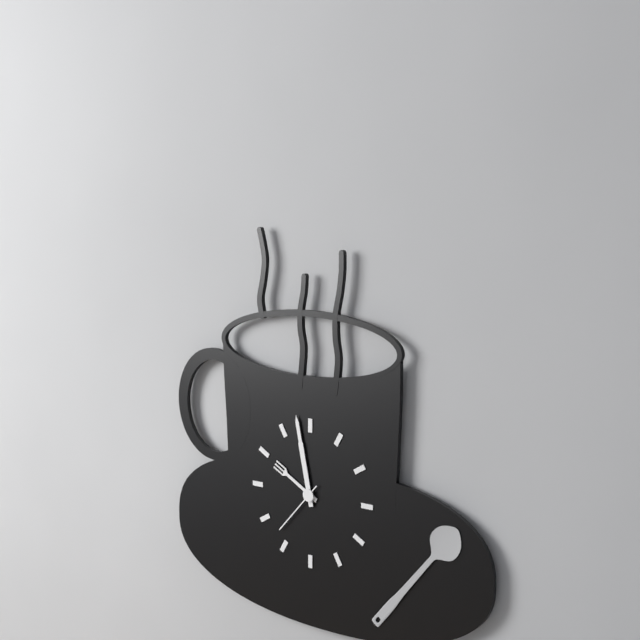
9 h 58 min 37 s
